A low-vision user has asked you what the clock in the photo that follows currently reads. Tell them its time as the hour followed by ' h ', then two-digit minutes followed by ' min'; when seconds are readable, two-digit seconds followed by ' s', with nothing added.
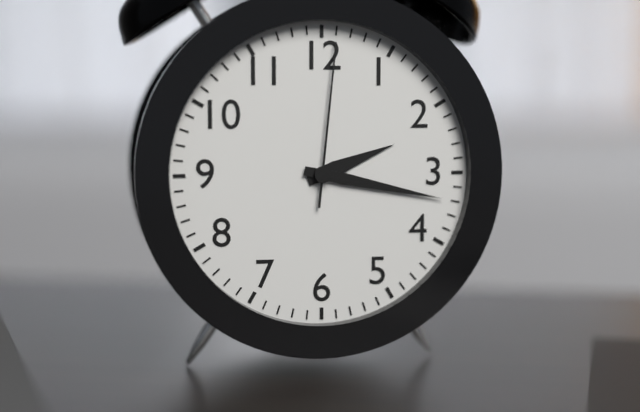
2 h 17 min 01 s
